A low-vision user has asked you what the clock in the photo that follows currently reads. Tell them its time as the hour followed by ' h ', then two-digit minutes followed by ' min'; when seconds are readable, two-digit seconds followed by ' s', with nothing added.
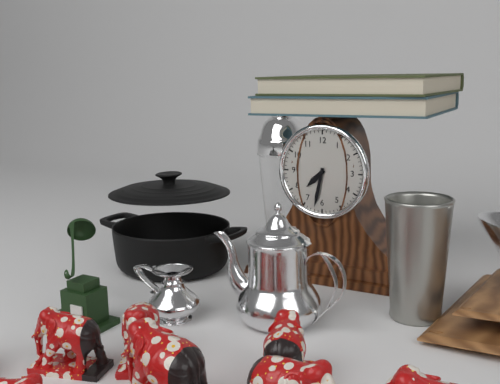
7 h 32 min
